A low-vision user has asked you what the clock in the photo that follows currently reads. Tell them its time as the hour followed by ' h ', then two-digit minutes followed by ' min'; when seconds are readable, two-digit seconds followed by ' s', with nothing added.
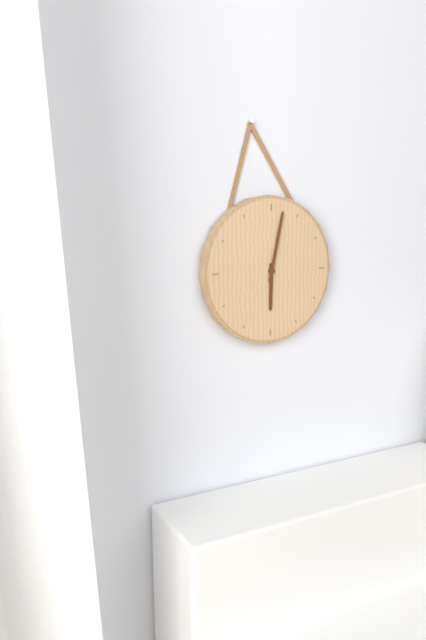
6 h 02 min
